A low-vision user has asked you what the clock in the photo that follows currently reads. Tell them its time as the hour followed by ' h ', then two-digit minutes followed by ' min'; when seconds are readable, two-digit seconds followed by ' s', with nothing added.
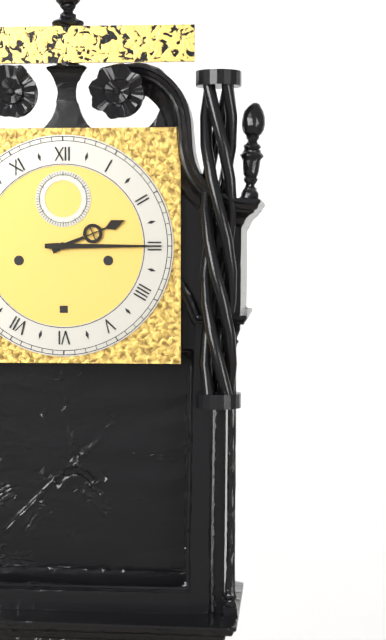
2 h 15 min
